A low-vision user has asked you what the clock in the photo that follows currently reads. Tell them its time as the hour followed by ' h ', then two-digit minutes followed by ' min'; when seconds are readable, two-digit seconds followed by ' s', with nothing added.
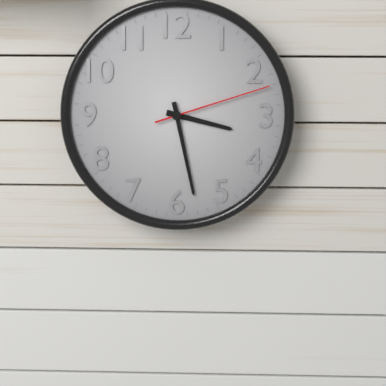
3 h 28 min 12 s
